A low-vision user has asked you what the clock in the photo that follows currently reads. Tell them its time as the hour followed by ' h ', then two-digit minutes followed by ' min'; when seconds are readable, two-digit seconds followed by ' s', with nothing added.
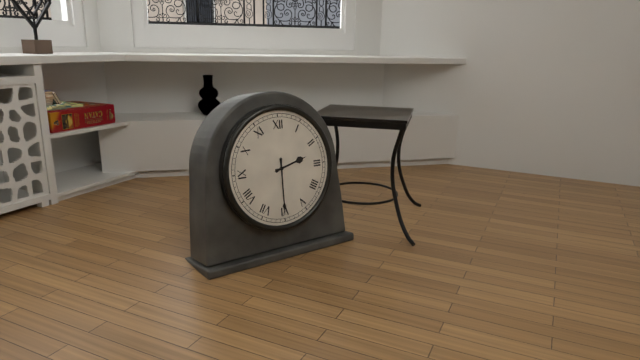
2 h 30 min
